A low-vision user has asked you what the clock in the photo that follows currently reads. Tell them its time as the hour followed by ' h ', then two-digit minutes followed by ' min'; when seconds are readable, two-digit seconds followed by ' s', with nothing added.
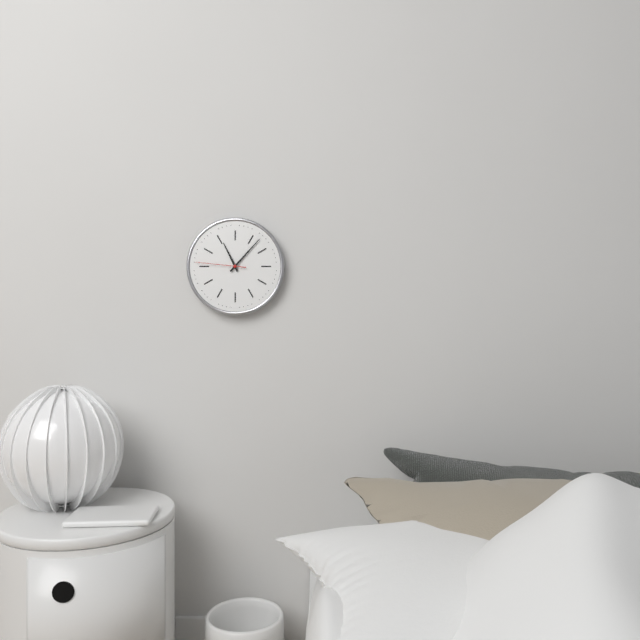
11 h 07 min 46 s
